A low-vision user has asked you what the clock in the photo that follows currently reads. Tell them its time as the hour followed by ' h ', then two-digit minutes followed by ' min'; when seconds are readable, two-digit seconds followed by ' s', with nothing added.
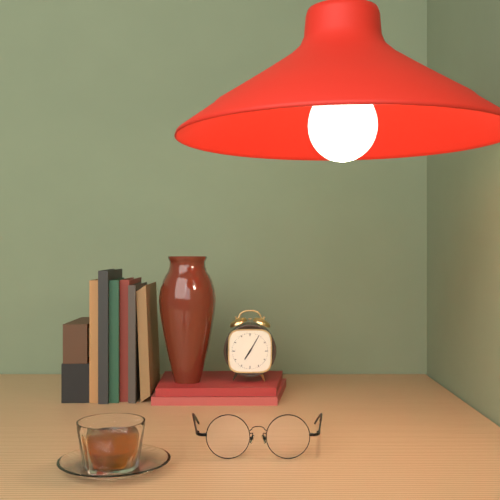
7 h 05 min
